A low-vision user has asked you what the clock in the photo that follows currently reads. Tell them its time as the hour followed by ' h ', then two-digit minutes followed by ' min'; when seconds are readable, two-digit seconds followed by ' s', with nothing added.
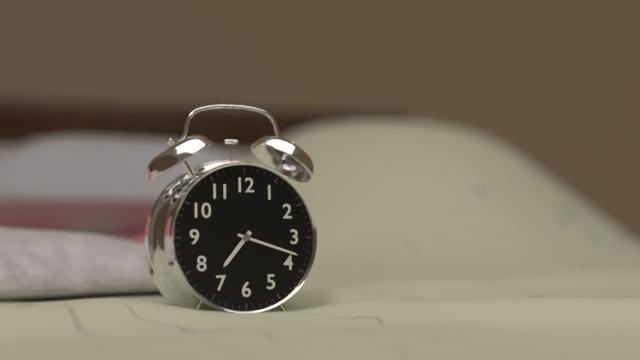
7 h 18 min
